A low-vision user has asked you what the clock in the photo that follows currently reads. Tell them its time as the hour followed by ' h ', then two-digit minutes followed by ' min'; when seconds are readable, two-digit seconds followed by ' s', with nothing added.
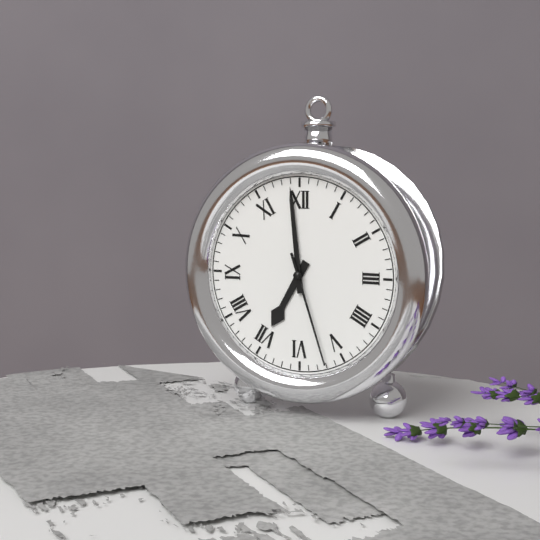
6 h 59 min 27 s
